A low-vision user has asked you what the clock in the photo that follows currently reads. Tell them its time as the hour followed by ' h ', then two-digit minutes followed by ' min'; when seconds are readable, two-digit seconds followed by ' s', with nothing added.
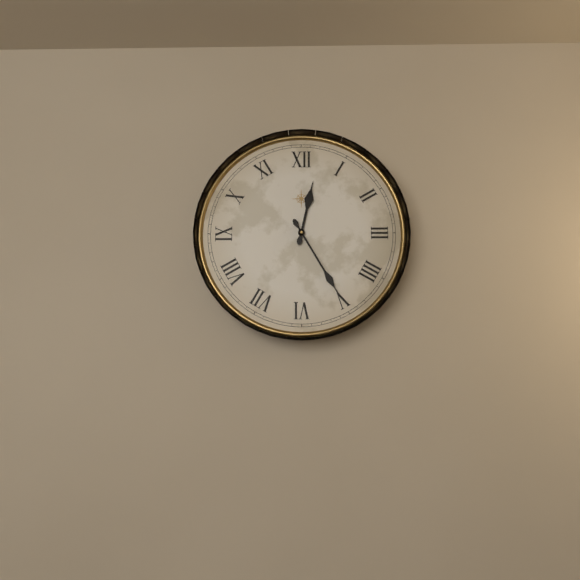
12 h 25 min
